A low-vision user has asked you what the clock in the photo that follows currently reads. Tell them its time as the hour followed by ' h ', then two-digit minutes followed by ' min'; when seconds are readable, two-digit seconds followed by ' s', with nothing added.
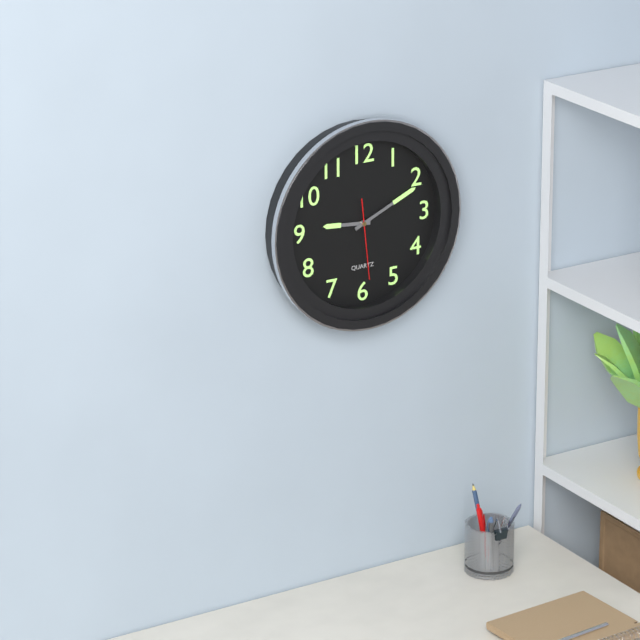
9 h 11 min 29 s
